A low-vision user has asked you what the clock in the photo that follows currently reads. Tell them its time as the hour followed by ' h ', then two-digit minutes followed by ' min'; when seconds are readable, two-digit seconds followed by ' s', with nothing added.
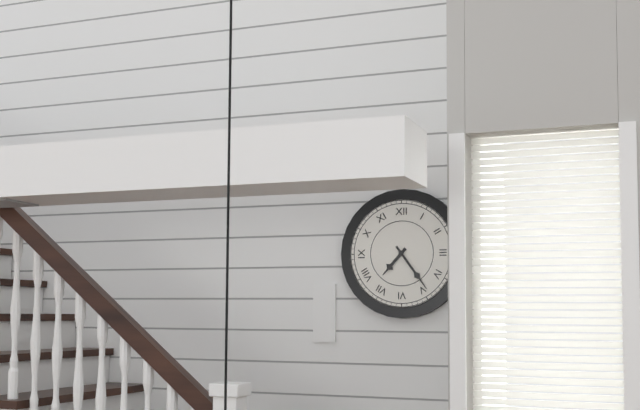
7 h 24 min
